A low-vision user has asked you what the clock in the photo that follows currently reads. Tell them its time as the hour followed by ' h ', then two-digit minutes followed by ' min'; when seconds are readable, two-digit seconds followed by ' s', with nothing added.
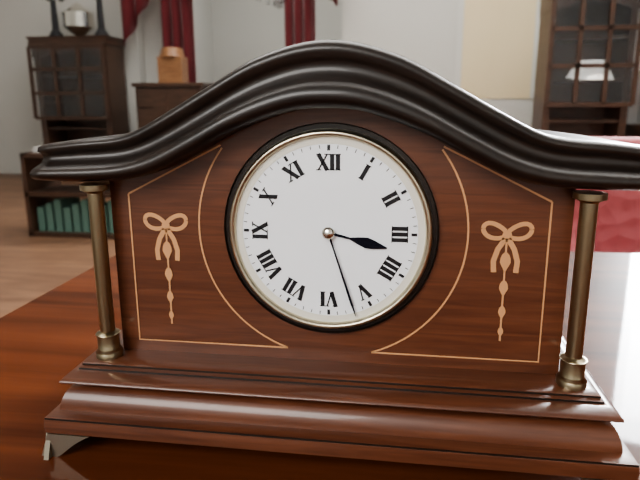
3 h 27 min
